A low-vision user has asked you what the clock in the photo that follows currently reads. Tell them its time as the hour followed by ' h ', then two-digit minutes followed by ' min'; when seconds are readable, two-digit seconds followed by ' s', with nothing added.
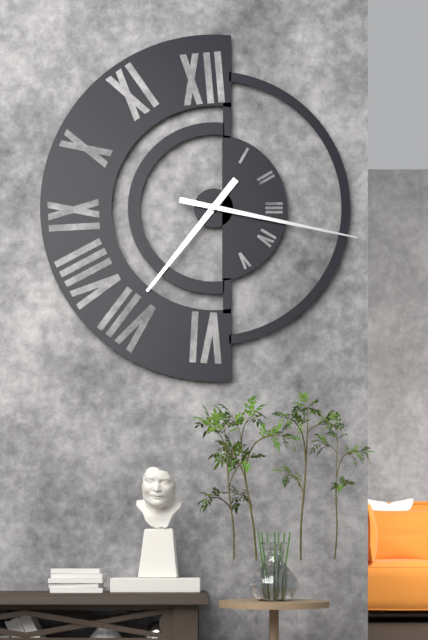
7 h 17 min
